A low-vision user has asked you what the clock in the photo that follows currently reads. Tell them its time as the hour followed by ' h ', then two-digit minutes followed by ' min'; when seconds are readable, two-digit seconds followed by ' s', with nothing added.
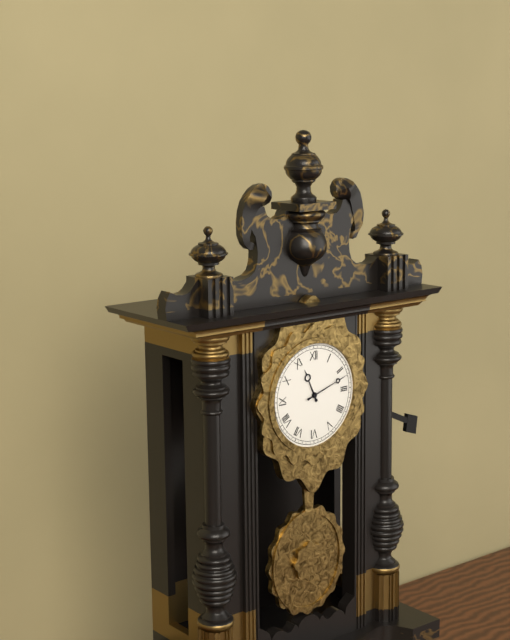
11 h 12 min
